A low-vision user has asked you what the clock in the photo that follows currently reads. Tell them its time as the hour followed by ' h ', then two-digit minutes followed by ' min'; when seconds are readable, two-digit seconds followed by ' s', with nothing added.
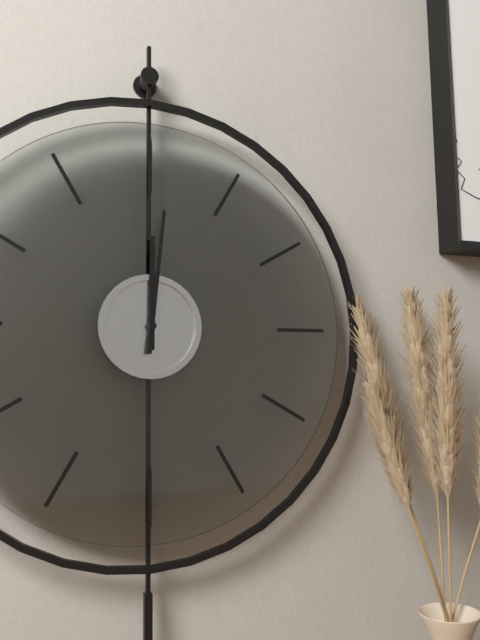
12 h 01 min
